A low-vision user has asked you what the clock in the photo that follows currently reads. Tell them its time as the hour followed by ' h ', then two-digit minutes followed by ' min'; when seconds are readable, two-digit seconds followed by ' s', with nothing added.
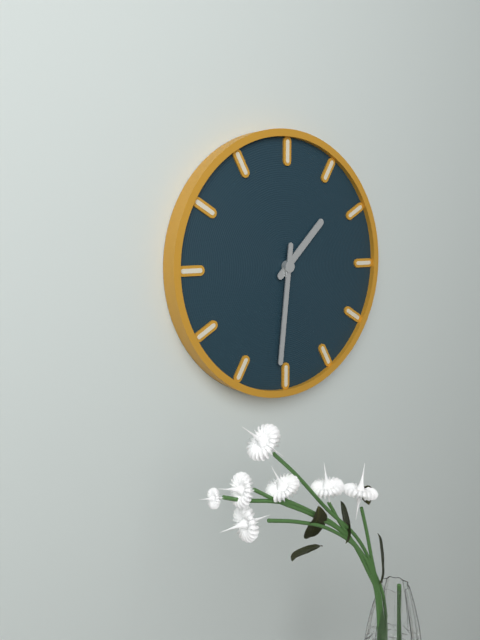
1 h 31 min
